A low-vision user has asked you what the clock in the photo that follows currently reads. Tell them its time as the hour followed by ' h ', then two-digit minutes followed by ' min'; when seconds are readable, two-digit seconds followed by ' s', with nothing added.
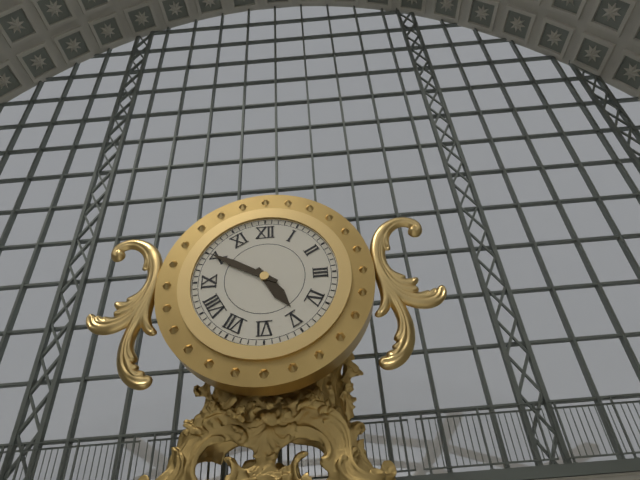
4 h 50 min
